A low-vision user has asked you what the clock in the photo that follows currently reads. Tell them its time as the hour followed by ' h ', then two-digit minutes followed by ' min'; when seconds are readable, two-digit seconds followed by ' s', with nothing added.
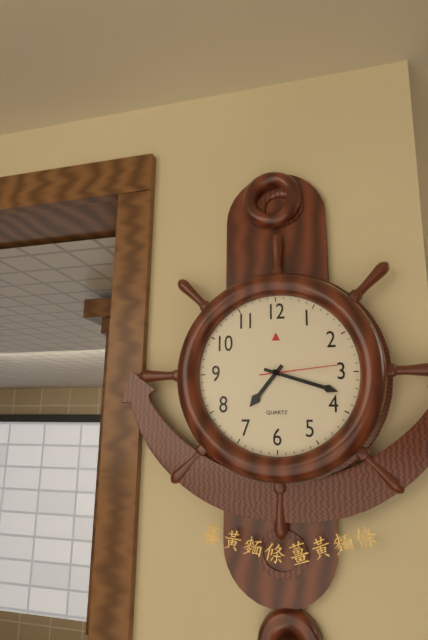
7 h 18 min 14 s
